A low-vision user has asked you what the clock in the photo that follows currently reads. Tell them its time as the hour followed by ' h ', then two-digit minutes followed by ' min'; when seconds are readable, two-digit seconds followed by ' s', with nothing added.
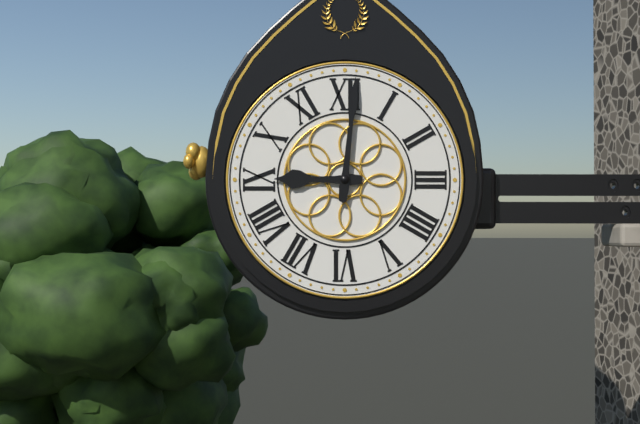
9 h 01 min
